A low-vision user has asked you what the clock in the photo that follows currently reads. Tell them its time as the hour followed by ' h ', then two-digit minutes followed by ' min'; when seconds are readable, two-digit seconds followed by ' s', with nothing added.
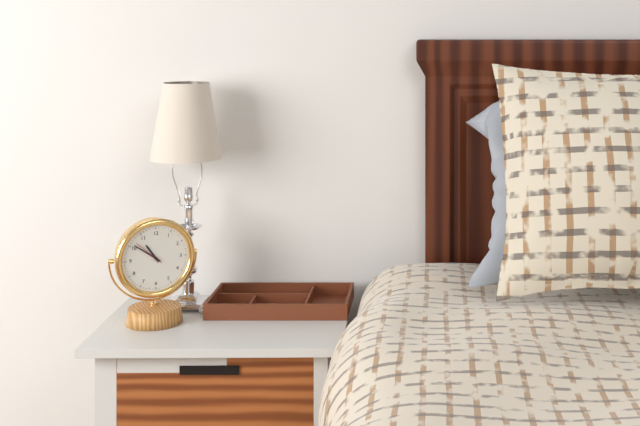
10 h 51 min
